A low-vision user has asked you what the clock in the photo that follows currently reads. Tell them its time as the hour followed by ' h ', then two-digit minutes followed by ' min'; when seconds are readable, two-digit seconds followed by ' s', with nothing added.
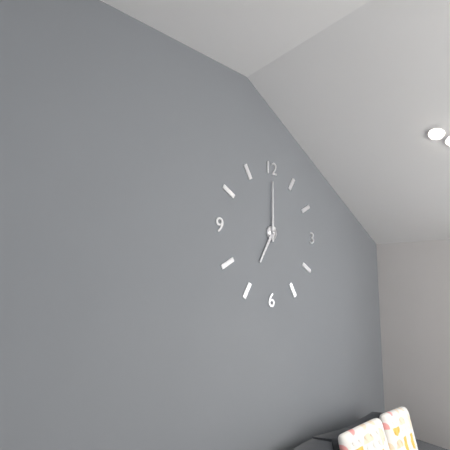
7 h 00 min
